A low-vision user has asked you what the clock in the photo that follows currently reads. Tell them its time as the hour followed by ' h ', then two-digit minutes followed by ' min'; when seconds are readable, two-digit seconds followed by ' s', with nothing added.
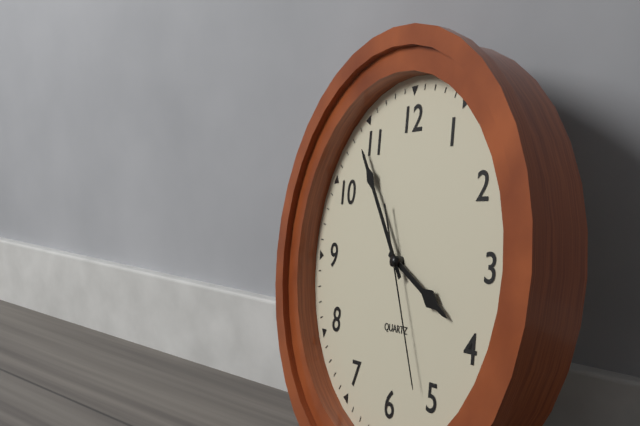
3 h 54 min 26 s
